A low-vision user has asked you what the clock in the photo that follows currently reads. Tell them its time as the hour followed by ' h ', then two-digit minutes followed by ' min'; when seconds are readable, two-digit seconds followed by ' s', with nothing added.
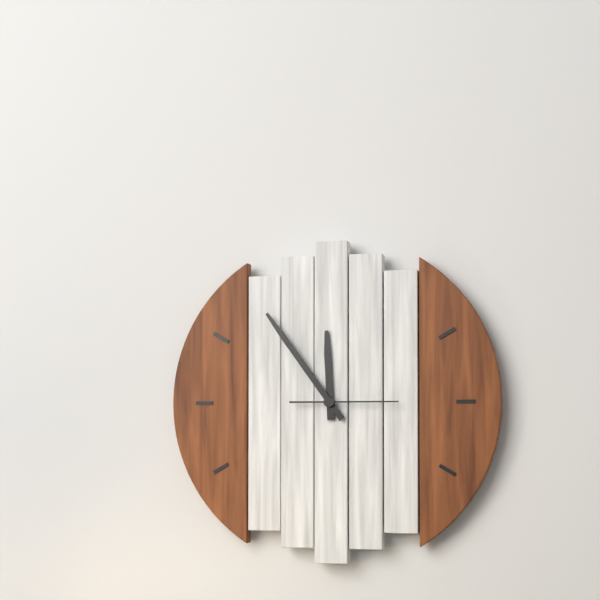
11 h 54 min 15 s
